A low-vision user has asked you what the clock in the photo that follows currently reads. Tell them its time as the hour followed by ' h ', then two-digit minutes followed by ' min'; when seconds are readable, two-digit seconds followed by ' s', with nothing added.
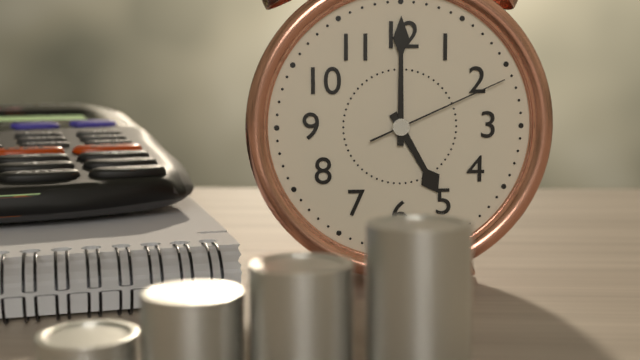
5 h 00 min 11 s
